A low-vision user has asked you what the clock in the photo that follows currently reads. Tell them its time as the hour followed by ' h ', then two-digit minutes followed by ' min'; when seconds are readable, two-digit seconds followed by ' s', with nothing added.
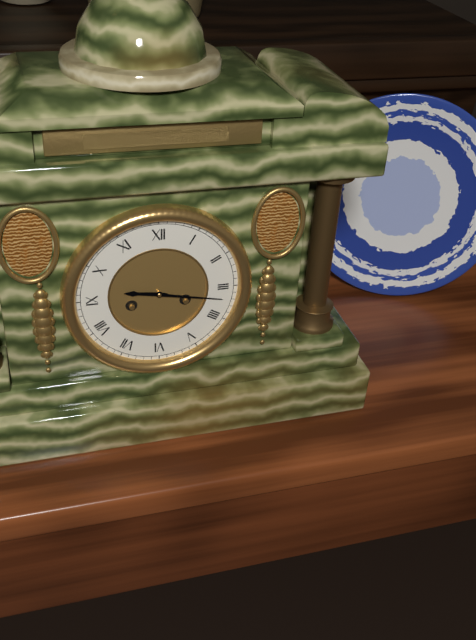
9 h 17 min
